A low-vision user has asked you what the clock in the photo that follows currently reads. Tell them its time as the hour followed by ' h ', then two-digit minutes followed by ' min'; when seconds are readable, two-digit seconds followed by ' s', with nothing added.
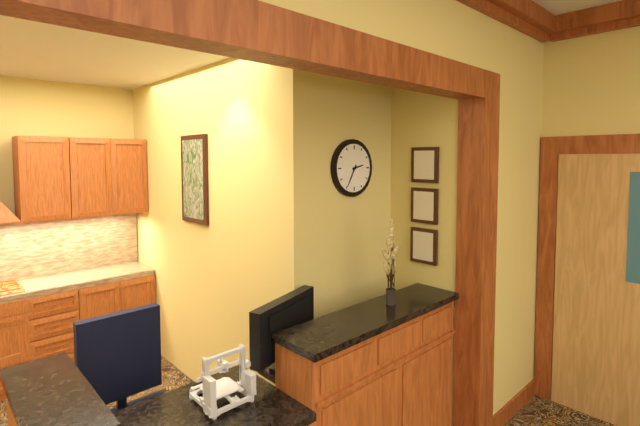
2 h 35 min
